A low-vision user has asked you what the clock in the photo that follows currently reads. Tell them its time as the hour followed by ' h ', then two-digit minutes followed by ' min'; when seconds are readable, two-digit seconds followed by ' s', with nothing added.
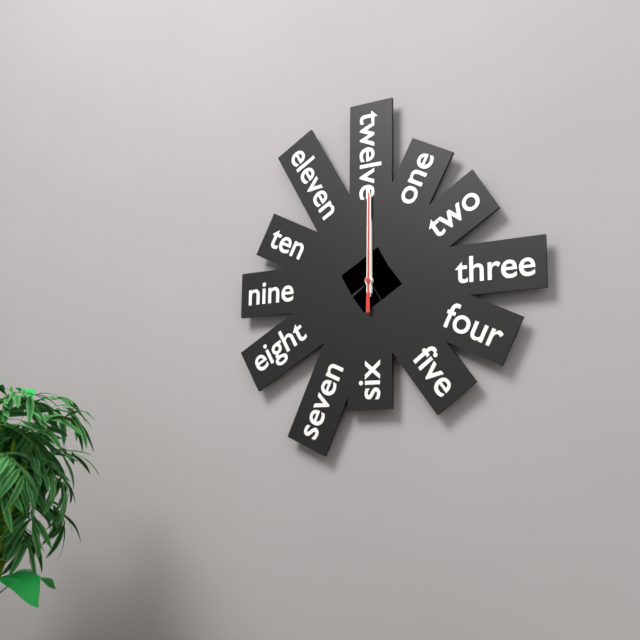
12 h 00 min 00 s
